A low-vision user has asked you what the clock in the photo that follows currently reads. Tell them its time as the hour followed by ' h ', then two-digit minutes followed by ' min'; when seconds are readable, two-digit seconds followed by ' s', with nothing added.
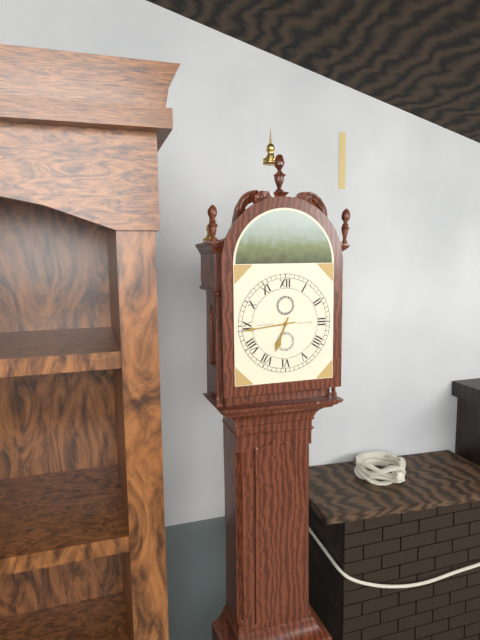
6 h 44 min
